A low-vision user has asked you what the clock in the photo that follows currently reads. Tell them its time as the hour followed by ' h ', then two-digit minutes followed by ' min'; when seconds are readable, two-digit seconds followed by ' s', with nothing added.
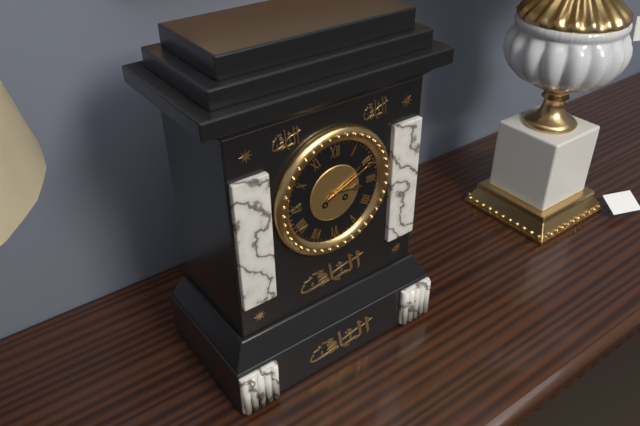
3 h 11 min
